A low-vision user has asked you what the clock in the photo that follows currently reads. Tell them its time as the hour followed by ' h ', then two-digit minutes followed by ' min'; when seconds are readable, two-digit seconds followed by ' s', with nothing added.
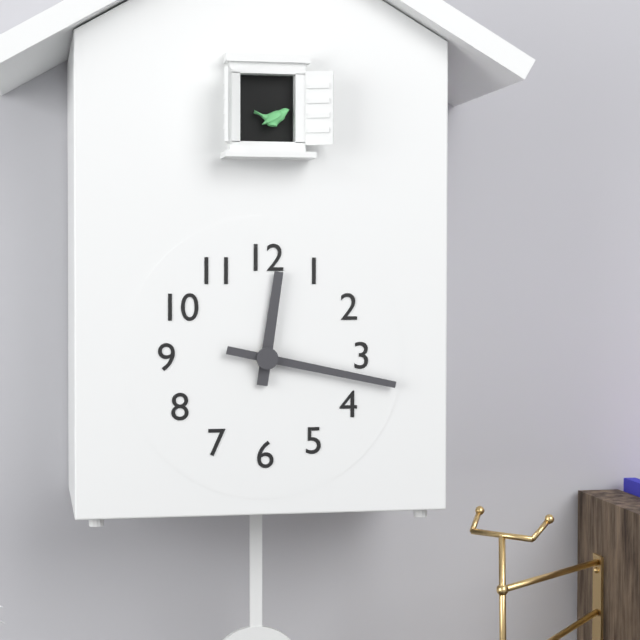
12 h 17 min
